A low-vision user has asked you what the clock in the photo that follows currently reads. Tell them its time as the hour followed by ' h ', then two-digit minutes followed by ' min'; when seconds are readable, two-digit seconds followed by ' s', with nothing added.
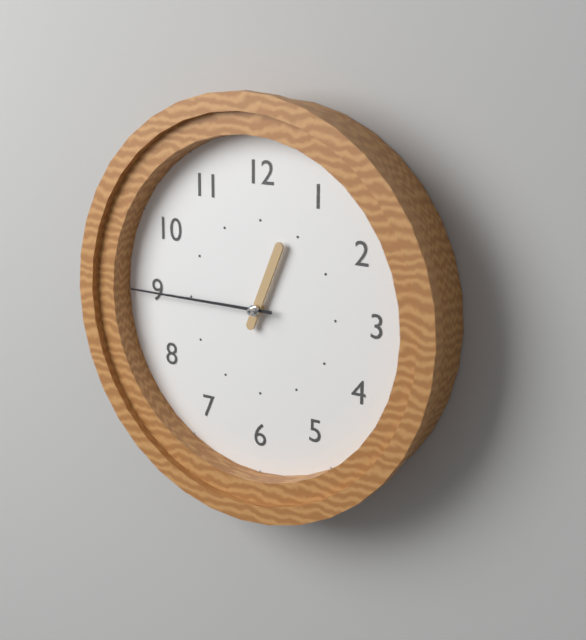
12 h 45 min
